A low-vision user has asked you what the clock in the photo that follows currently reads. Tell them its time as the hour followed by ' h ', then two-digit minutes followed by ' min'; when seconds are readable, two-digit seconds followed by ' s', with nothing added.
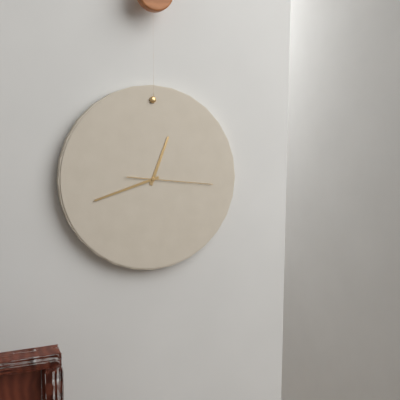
12 h 42 min 16 s
